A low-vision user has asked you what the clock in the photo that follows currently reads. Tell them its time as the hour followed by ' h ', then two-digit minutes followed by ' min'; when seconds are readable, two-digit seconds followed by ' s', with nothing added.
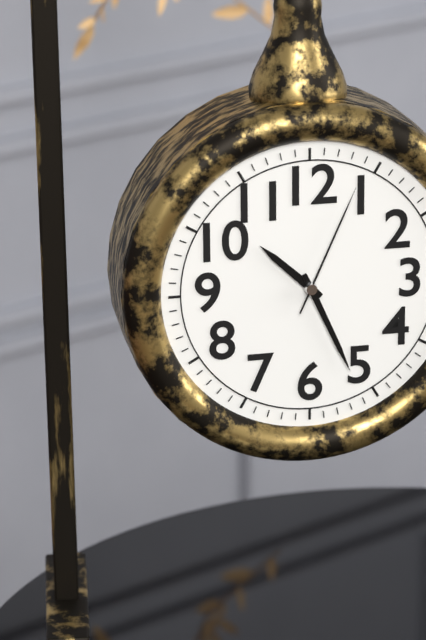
10 h 26 min 04 s
